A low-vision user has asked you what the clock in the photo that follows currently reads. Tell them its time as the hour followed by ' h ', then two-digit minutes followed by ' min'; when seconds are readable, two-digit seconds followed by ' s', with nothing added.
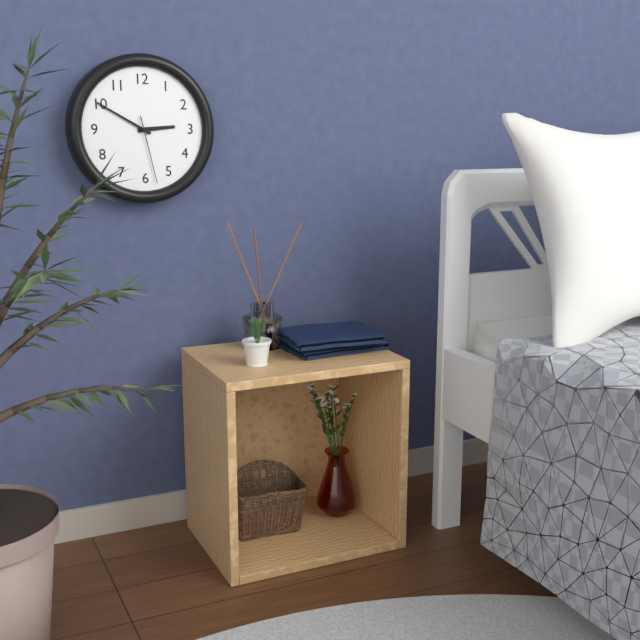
2 h 50 min 28 s
